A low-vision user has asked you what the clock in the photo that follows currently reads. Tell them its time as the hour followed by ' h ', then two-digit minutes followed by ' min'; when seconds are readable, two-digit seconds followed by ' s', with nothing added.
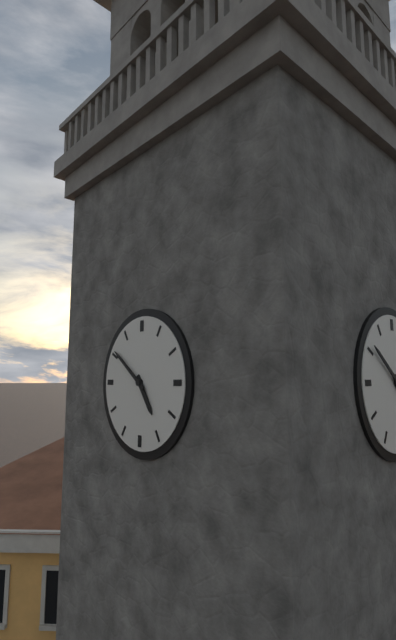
4 h 51 min
